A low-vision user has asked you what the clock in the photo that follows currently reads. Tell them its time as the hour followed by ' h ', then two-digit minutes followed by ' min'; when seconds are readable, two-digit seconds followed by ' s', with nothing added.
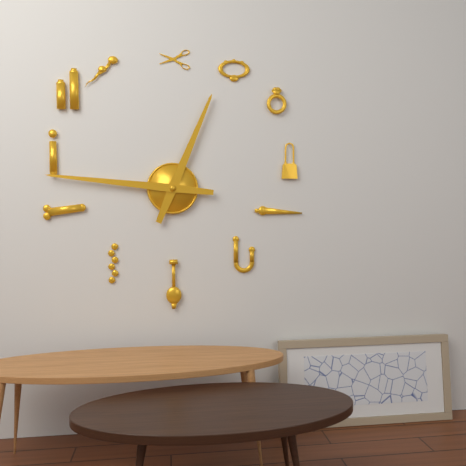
12 h 46 min
